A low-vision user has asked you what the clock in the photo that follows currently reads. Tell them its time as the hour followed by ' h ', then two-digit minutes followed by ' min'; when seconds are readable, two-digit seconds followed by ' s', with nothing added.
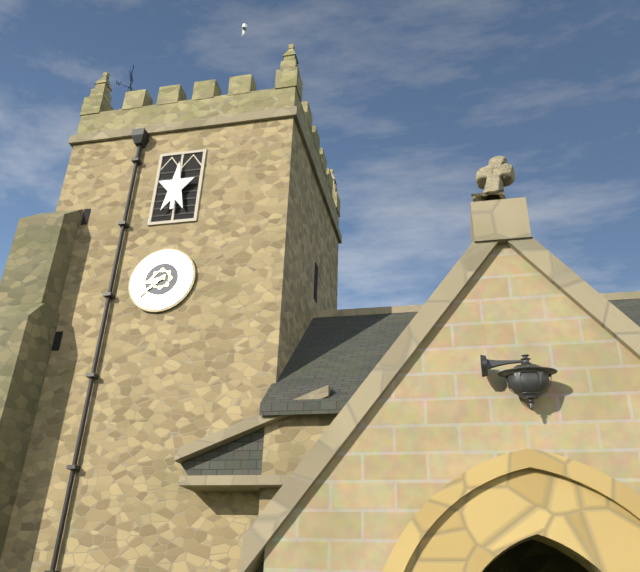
8 h 38 min
